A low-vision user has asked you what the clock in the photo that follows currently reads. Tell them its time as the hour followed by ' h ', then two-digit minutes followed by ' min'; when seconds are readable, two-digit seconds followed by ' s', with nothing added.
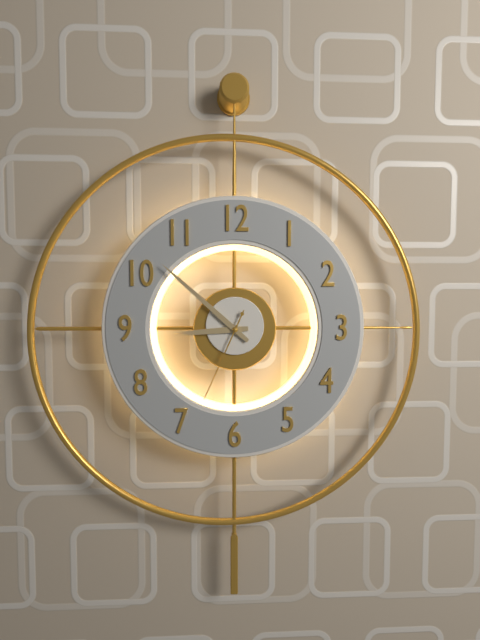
8 h 52 min 34 s
